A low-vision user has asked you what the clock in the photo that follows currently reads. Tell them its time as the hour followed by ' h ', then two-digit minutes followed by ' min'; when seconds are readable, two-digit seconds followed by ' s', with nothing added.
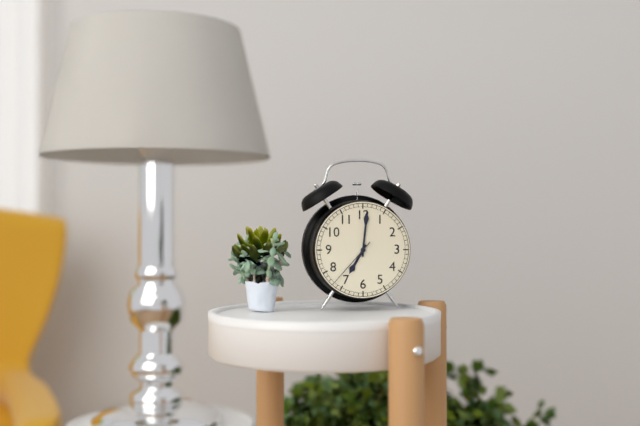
7 h 01 min 37 s
